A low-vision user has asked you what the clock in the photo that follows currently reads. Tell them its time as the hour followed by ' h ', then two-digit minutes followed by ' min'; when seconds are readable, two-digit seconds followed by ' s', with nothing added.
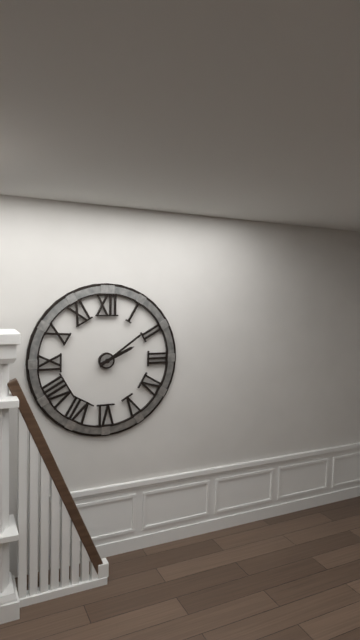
2 h 09 min
